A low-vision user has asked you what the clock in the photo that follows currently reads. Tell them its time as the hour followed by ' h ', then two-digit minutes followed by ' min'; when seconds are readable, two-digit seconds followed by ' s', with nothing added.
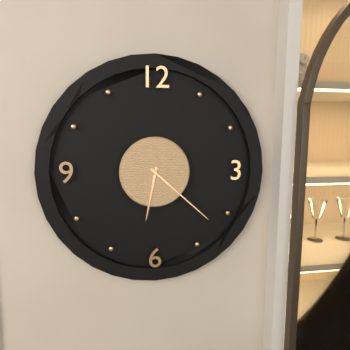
6 h 22 min
